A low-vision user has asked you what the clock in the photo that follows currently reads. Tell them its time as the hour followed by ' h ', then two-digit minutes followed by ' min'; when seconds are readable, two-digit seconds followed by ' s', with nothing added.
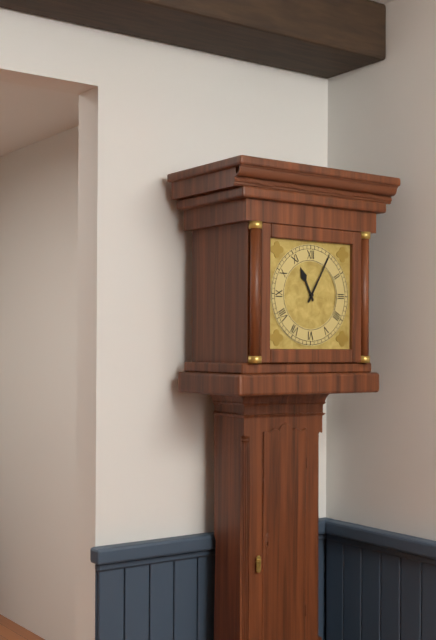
11 h 05 min
